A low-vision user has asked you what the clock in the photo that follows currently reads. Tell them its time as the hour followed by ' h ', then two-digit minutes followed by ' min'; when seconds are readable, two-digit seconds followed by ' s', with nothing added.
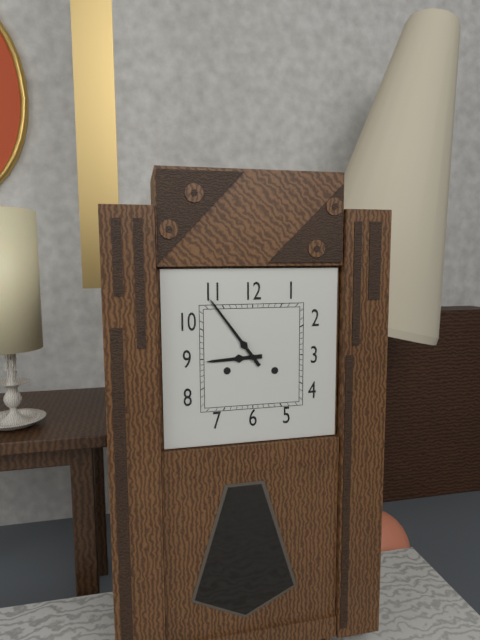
8 h 54 min
